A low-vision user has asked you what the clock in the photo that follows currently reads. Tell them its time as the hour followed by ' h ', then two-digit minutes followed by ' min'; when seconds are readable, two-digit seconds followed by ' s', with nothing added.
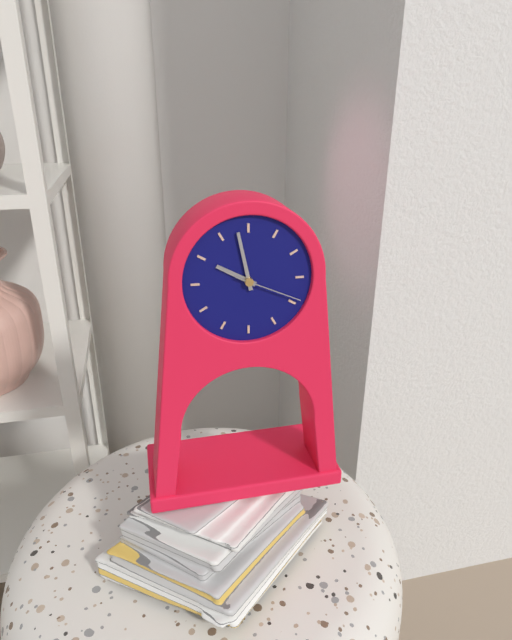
9 h 58 min 19 s
